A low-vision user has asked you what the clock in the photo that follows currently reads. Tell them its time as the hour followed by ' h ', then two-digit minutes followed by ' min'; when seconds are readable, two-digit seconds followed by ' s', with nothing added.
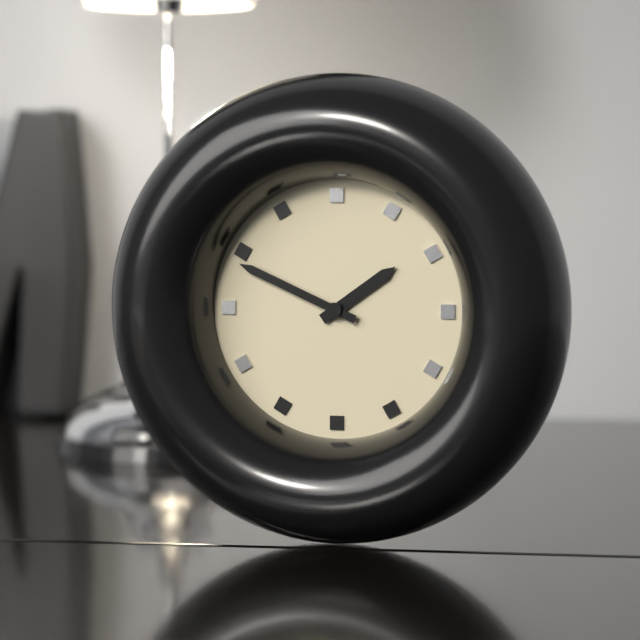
1 h 49 min
